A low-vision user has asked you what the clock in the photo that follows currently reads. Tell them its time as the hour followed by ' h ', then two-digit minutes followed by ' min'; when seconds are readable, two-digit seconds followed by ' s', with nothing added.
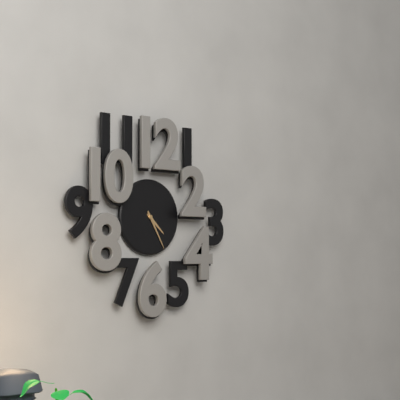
4 h 25 min
